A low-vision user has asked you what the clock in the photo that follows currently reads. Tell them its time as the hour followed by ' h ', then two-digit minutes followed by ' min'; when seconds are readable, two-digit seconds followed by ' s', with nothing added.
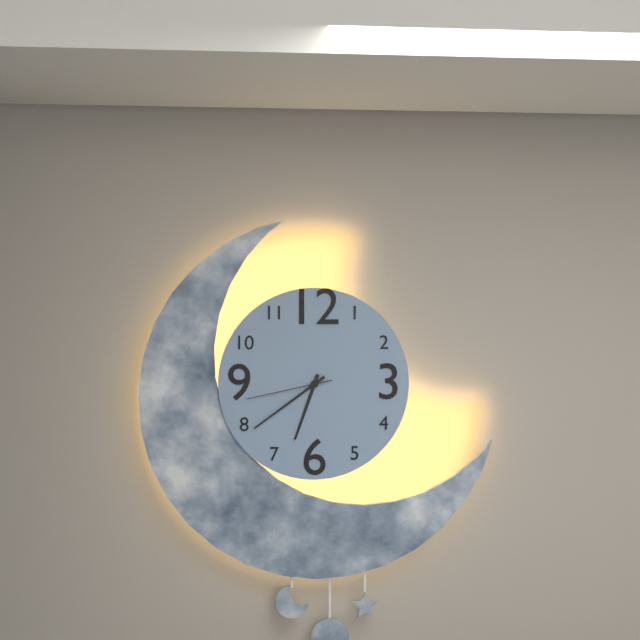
6 h 39 min 43 s
